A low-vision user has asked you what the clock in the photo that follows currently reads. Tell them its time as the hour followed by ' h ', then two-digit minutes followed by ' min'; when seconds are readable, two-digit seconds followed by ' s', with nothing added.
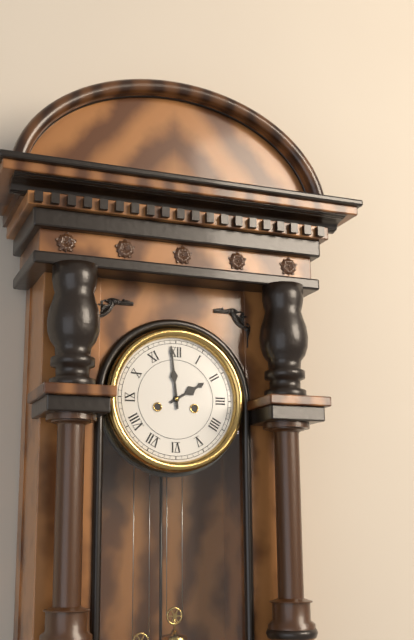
1 h 59 min
